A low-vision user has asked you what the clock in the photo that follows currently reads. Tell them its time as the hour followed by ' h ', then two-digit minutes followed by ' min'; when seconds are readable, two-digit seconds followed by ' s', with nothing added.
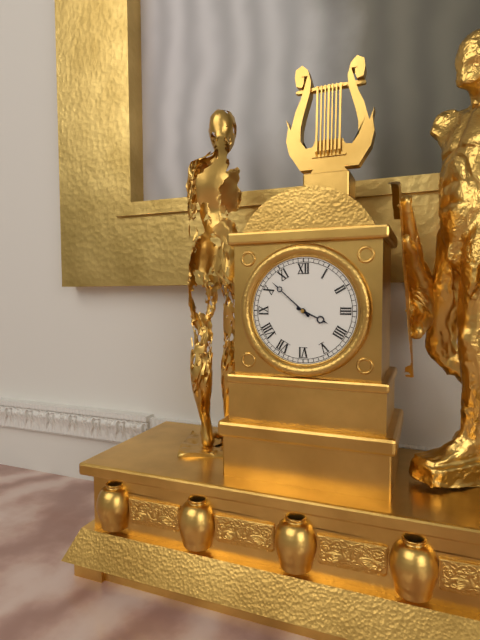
3 h 52 min
